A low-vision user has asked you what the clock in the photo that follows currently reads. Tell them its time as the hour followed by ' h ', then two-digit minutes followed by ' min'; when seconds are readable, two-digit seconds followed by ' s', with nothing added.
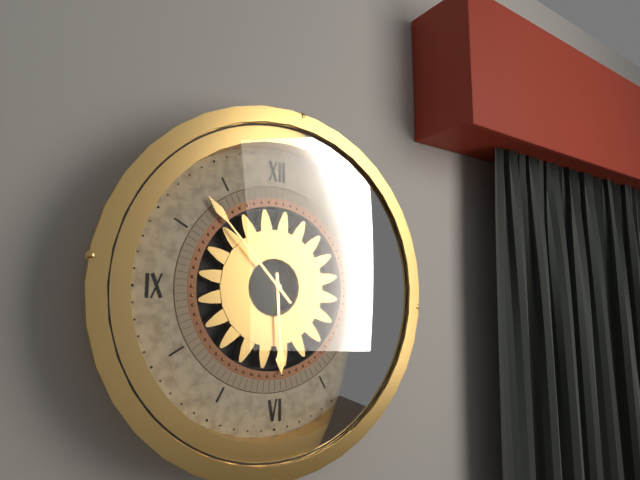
5 h 53 min
